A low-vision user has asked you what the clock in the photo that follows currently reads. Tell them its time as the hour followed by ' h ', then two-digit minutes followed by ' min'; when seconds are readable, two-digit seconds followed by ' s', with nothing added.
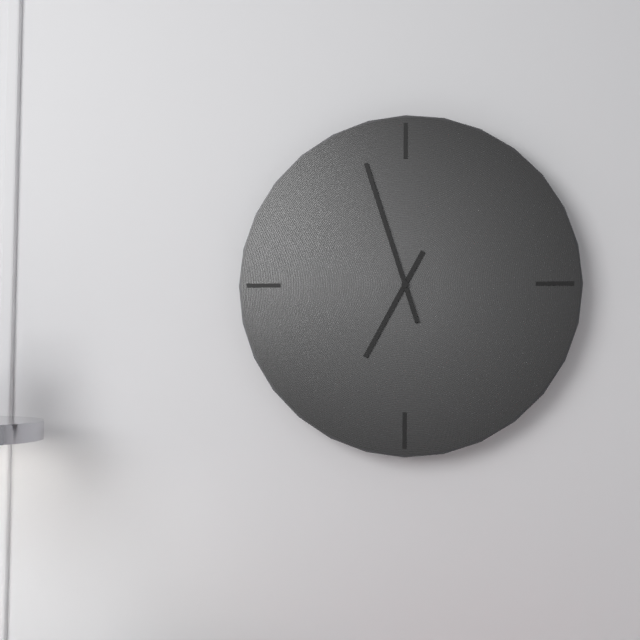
6 h 57 min
